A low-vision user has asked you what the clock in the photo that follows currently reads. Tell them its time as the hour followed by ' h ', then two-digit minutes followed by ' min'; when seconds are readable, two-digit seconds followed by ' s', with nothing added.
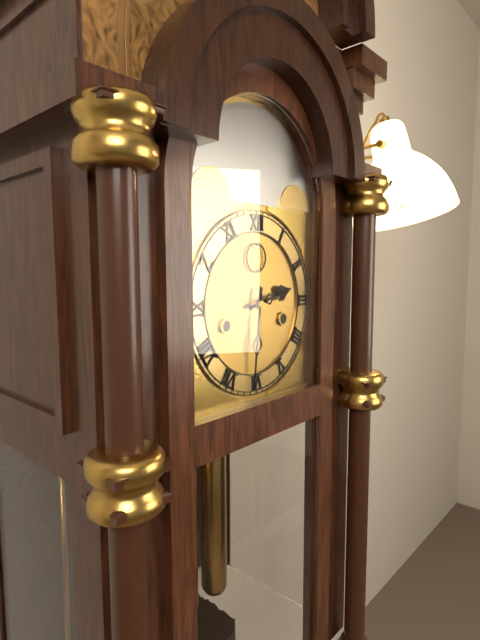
2 h 31 min
